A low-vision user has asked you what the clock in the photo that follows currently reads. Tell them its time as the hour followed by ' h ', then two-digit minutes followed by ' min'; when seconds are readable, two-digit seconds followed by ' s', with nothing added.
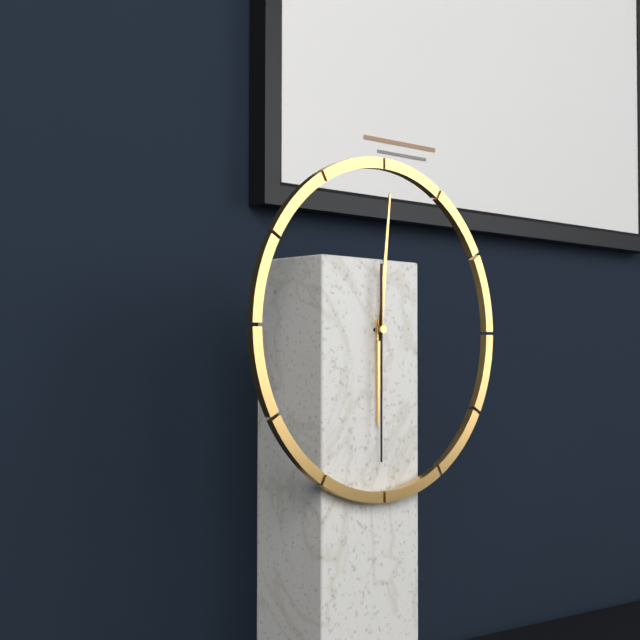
6 h 01 min 30 s
